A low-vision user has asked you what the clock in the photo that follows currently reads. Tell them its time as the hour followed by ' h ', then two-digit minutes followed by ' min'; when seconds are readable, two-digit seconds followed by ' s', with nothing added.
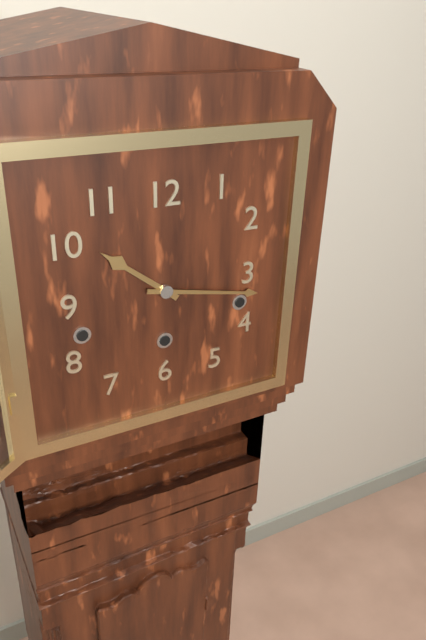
10 h 17 min
